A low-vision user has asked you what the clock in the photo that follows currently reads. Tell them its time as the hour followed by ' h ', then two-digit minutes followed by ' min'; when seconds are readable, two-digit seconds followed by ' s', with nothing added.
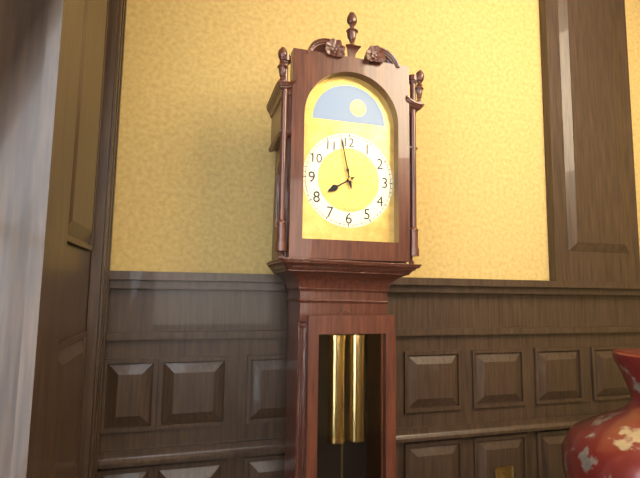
7 h 58 min
